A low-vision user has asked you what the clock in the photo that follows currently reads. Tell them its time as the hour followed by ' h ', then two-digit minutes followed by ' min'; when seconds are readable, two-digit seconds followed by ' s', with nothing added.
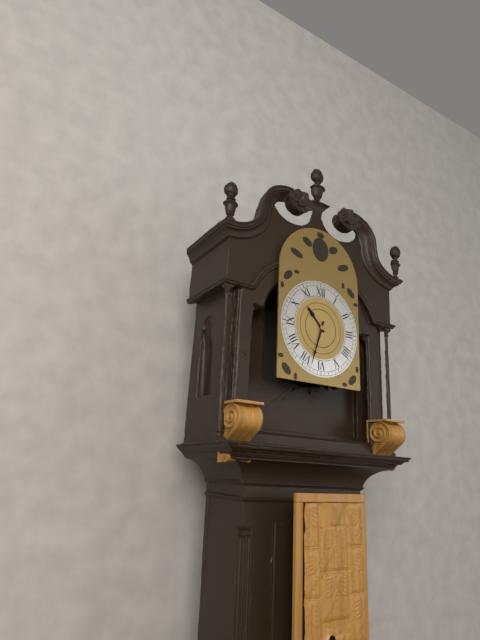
10 h 33 min
